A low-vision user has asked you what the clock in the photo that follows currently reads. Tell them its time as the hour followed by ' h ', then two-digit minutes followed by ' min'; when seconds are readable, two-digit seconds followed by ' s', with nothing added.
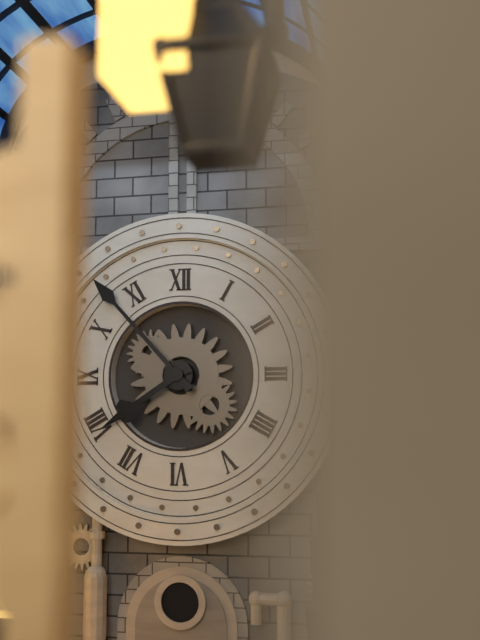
7 h 53 min
